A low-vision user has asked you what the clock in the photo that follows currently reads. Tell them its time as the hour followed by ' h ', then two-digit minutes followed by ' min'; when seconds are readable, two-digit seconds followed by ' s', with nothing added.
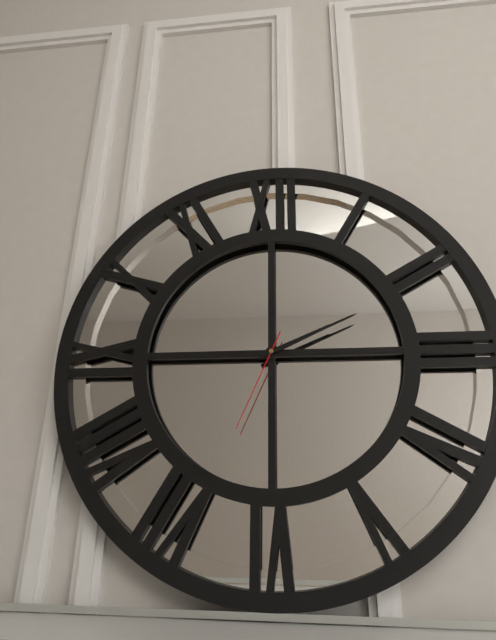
2 h 11 min 34 s
